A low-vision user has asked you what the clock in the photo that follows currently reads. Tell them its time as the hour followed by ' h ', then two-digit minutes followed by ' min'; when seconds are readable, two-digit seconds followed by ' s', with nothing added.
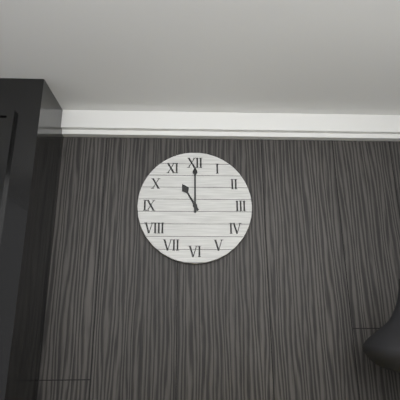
11 h 00 min
